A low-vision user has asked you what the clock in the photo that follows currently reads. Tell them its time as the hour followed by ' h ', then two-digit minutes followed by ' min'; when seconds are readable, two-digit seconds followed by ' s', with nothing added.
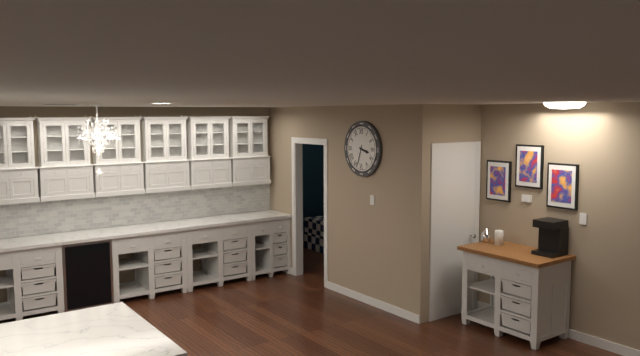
3 h 33 min
